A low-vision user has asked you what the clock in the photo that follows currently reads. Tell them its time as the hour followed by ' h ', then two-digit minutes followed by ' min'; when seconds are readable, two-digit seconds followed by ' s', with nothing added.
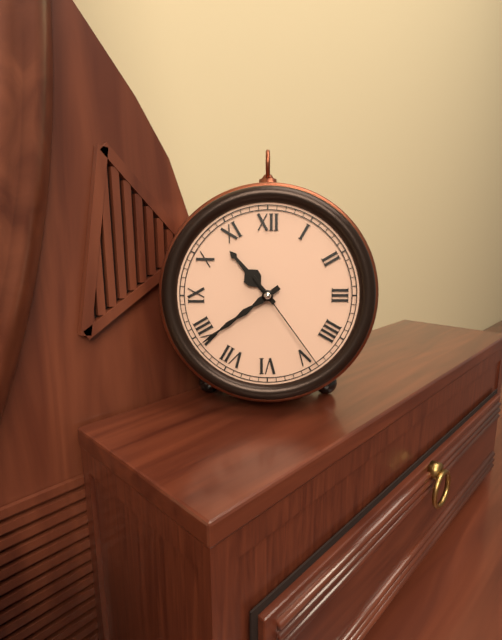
10 h 39 min 24 s
